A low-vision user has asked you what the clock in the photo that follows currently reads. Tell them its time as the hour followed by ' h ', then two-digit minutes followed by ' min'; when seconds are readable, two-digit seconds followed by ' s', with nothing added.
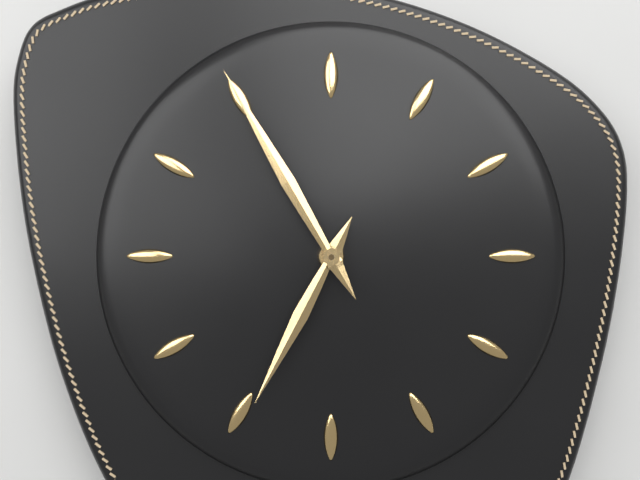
6 h 55 min
